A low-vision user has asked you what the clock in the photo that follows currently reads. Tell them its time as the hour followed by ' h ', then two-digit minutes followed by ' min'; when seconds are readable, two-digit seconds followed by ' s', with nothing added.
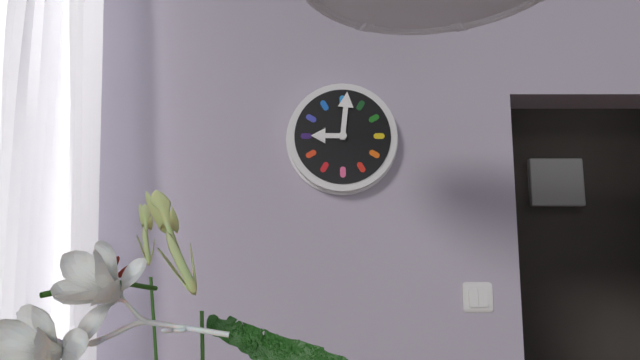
9 h 01 min
